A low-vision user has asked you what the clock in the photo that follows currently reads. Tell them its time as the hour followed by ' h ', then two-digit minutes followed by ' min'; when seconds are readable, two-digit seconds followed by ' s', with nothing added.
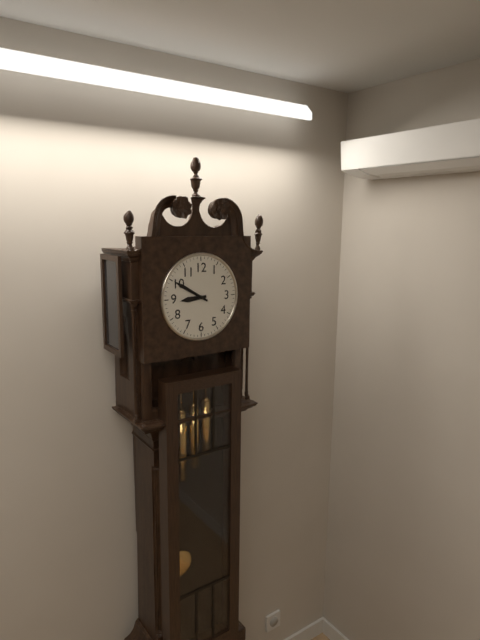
8 h 50 min
